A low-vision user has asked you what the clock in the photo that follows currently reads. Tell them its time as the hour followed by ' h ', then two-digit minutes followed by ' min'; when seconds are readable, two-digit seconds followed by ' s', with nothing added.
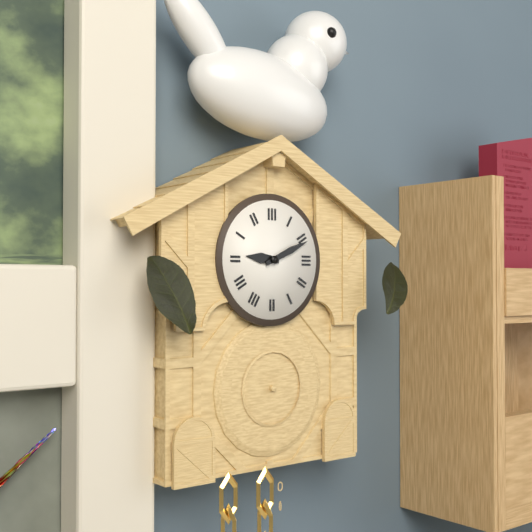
9 h 11 min
